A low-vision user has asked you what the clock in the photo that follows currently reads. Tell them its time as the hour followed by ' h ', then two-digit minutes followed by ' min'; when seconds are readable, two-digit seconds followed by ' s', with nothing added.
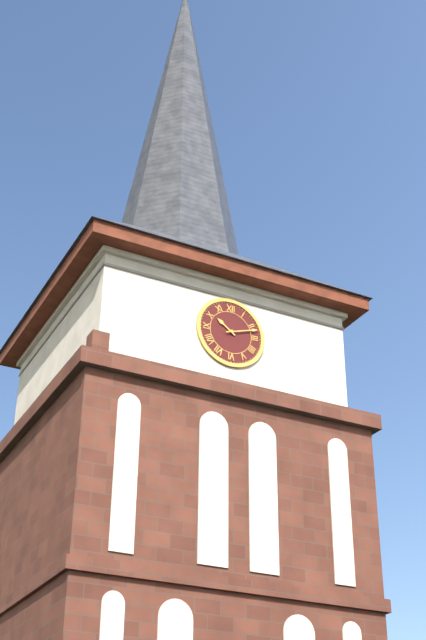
10 h 12 min
